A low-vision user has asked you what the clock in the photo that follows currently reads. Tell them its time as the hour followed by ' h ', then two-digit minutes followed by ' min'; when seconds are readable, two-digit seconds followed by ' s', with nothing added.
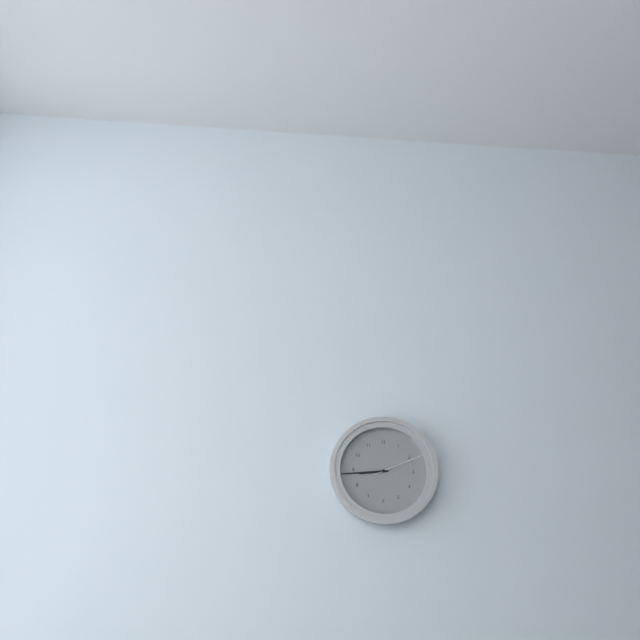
8 h 44 min 11 s
